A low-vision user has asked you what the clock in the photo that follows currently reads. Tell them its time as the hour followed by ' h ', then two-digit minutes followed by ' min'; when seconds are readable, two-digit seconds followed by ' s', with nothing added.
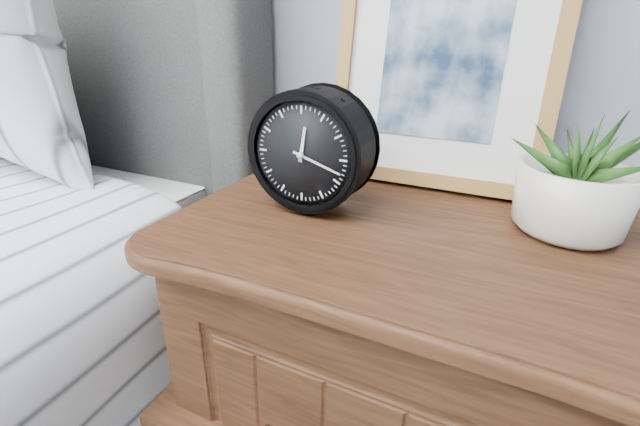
12 h 18 min
